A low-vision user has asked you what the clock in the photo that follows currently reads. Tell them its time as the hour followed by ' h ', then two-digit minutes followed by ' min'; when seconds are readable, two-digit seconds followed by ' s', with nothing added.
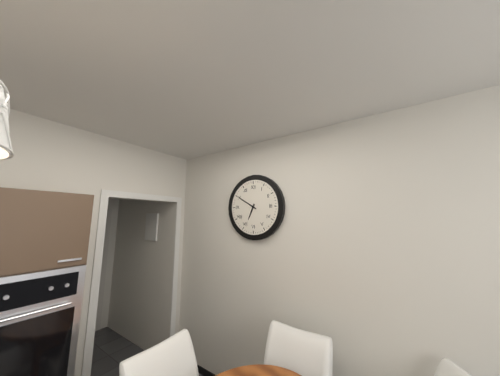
6 h 50 min
